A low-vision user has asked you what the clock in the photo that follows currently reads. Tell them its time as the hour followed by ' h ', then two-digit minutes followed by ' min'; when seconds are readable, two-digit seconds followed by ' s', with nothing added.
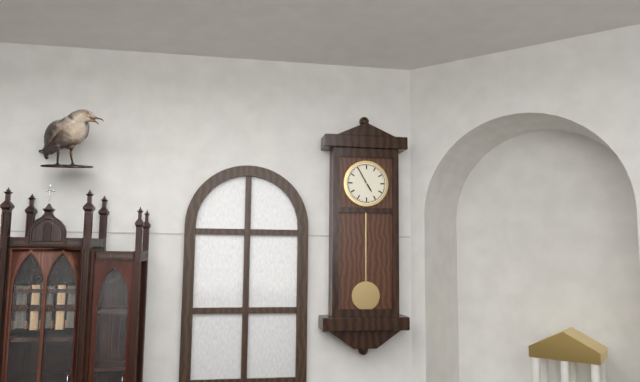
4 h 55 min
